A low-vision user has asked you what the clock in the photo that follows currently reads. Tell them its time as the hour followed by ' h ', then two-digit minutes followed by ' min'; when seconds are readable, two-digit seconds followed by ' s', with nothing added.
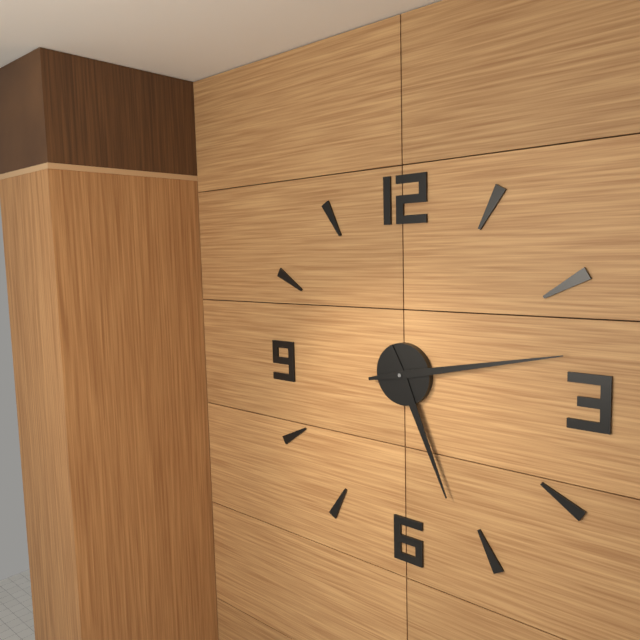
5 h 13 min
